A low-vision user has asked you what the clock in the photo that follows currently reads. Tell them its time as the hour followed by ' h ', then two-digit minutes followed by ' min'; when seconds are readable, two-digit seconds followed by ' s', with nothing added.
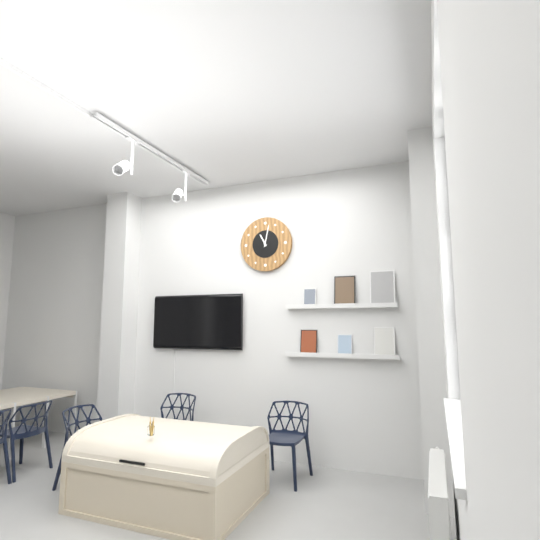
11 h 02 min
